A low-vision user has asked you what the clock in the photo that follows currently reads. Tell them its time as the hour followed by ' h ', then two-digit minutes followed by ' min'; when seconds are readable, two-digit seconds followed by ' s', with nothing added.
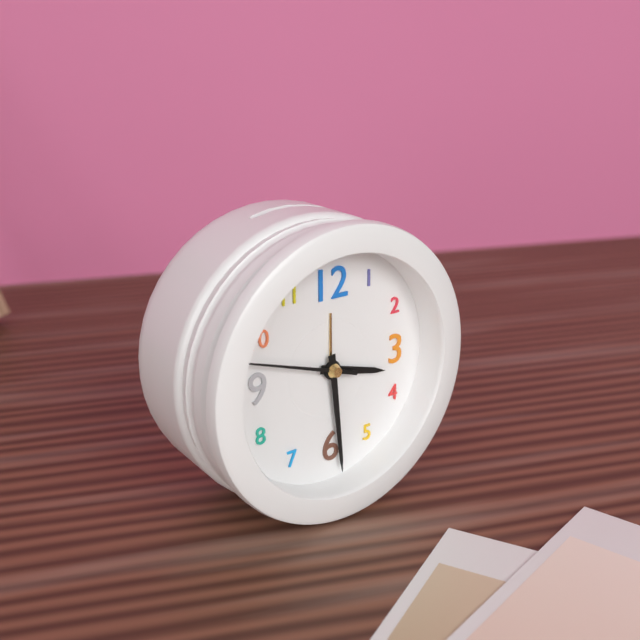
3 h 29 min 48 s
